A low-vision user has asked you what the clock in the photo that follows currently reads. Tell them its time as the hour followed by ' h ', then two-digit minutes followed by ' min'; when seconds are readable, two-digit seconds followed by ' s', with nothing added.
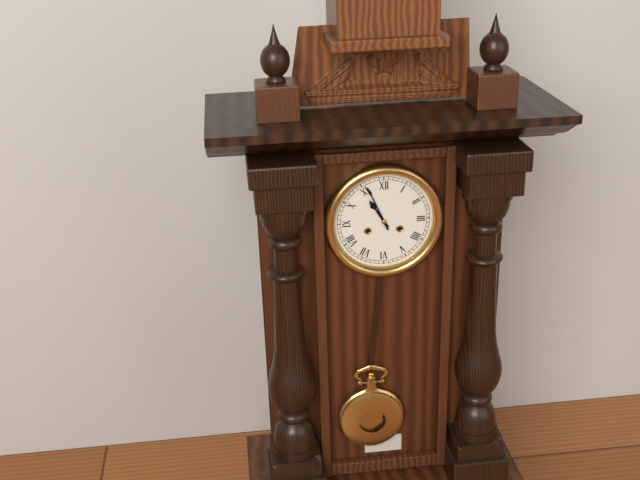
10 h 56 min
